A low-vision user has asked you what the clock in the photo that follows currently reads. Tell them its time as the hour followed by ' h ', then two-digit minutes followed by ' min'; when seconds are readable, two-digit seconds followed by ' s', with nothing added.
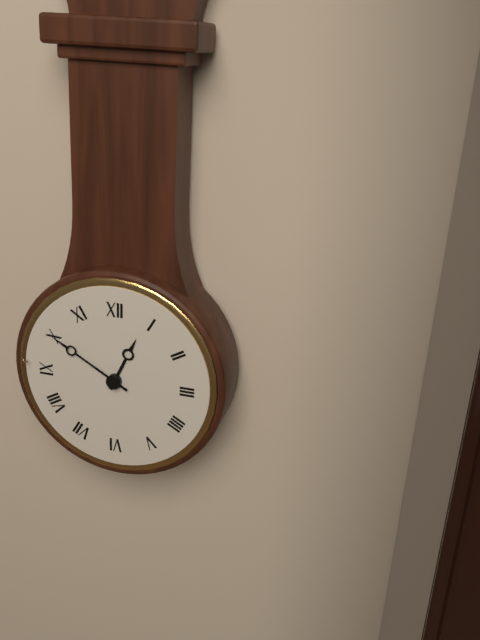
12 h 50 min
